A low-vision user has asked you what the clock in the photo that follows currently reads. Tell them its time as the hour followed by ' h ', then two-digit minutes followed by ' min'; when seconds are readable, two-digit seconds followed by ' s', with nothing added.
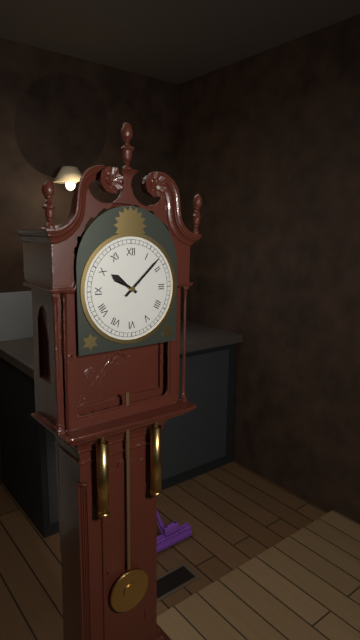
10 h 08 min
